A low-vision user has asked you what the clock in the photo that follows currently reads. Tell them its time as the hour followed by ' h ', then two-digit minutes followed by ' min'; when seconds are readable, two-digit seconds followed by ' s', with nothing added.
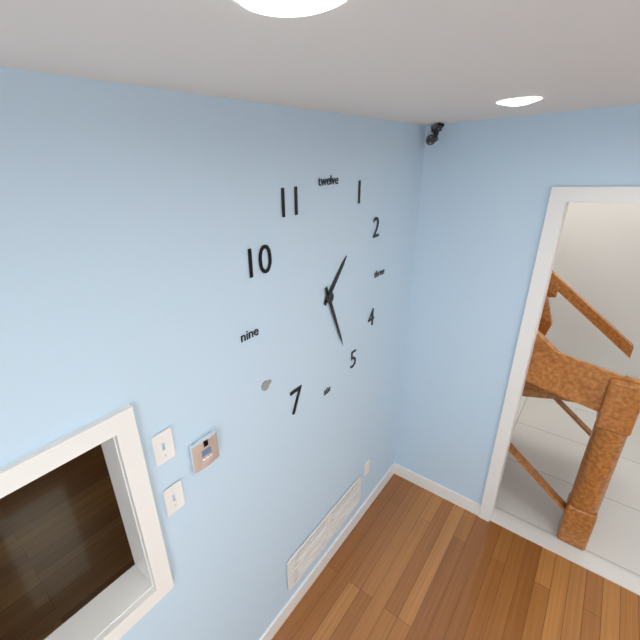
1 h 26 min
